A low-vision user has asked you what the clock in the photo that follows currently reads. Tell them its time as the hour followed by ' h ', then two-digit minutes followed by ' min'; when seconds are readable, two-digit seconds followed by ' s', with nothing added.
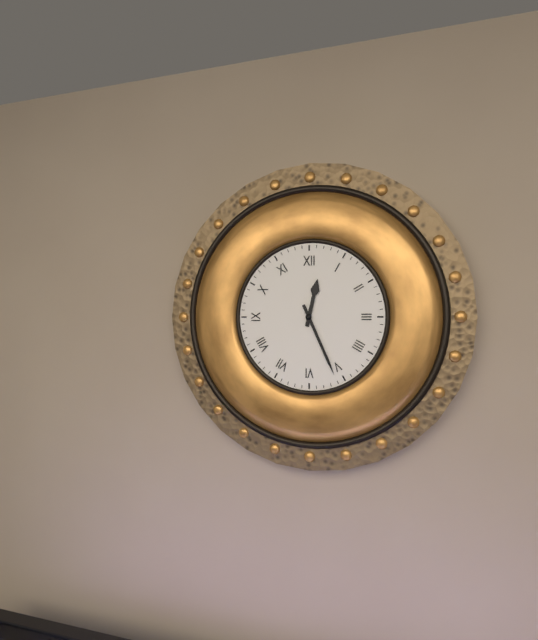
12 h 26 min
